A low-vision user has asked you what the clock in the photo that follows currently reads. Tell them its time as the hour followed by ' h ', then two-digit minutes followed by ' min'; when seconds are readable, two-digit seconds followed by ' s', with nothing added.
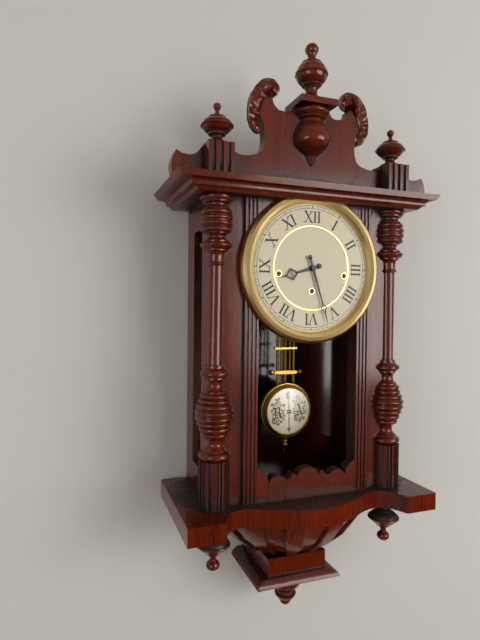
8 h 27 min
